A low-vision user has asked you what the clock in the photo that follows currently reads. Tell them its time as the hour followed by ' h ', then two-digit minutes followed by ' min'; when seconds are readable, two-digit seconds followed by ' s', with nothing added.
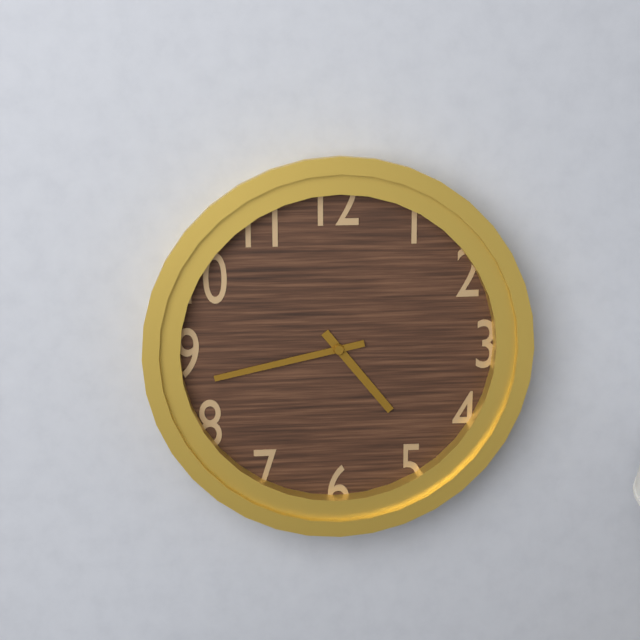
4 h 43 min
